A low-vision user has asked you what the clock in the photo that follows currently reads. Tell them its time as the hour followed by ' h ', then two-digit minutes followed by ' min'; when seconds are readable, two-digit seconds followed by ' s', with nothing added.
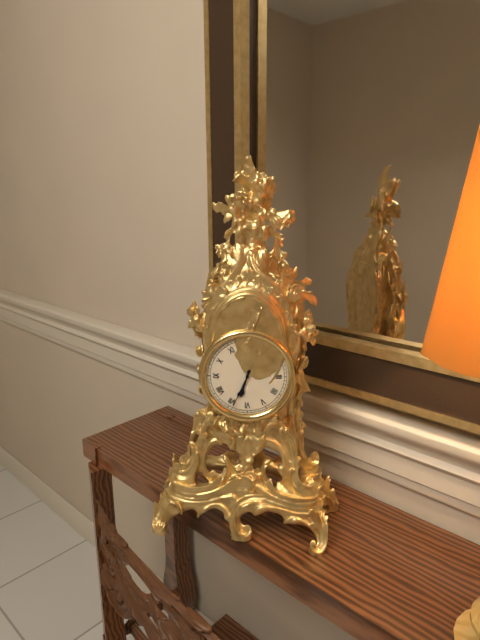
6 h 34 min
